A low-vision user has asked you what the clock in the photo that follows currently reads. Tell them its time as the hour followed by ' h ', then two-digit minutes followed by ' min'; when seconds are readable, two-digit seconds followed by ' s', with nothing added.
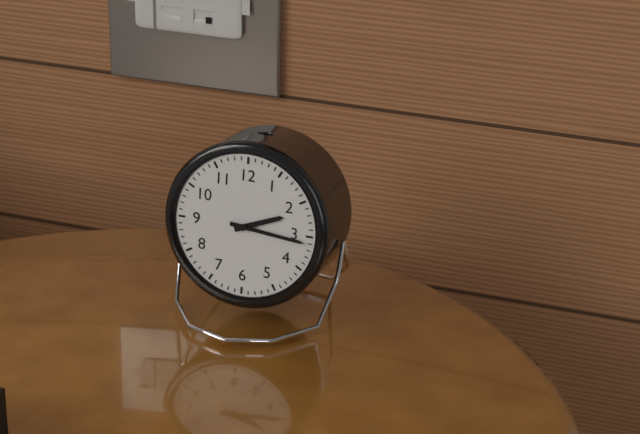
2 h 16 min
